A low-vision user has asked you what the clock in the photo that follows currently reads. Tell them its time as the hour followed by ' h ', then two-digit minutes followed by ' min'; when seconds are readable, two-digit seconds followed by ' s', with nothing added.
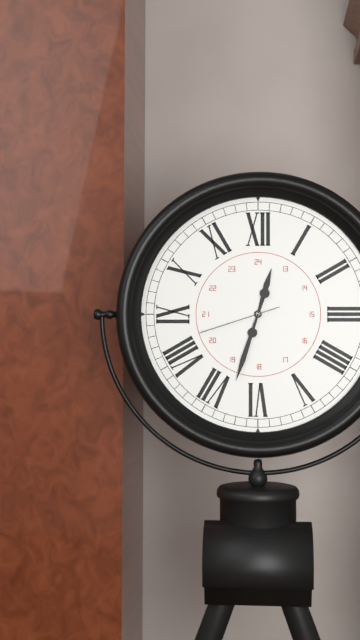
12 h 33 min 42 s
